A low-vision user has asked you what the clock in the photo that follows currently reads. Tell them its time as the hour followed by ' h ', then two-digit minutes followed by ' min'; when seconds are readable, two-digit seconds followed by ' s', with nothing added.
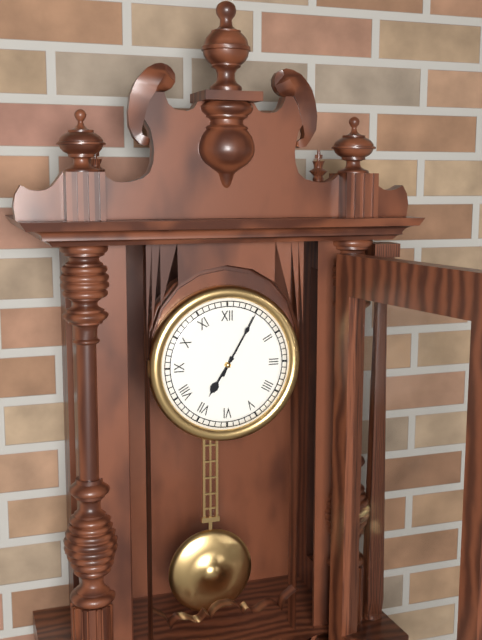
7 h 05 min
